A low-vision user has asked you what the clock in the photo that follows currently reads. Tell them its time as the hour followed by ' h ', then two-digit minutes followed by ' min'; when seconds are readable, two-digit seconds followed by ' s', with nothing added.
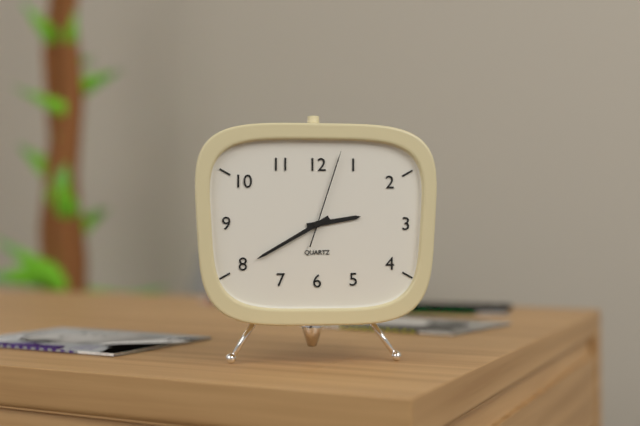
2 h 40 min 03 s
